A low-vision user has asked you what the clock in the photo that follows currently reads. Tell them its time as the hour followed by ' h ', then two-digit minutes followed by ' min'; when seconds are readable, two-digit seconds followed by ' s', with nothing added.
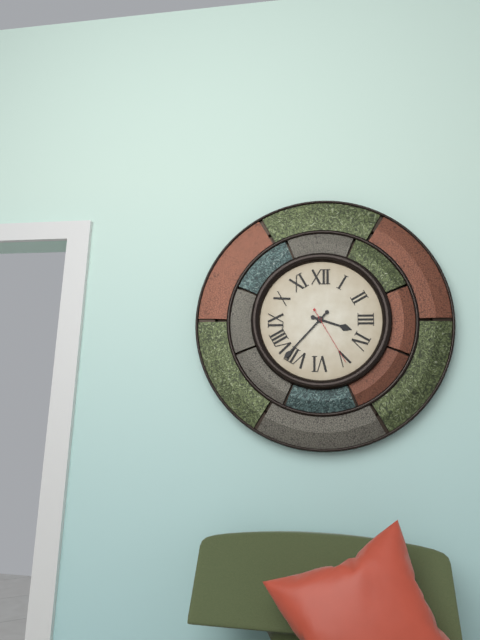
3 h 37 min 25 s
